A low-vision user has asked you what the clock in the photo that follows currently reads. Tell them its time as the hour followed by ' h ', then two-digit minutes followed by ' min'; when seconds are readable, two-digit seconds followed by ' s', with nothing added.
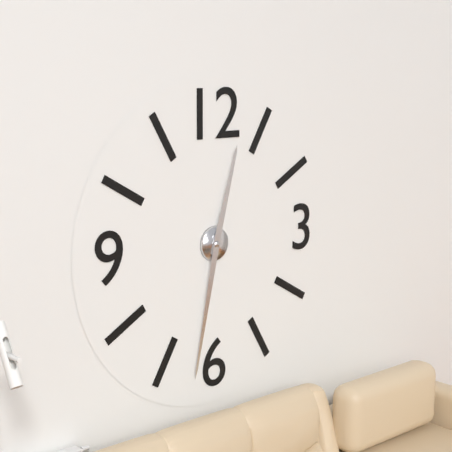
12 h 32 min
